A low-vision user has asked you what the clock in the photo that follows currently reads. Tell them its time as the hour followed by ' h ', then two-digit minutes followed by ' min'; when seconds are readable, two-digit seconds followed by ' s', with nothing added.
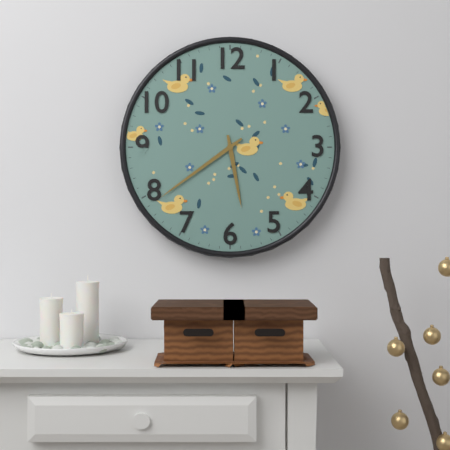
5 h 39 min
